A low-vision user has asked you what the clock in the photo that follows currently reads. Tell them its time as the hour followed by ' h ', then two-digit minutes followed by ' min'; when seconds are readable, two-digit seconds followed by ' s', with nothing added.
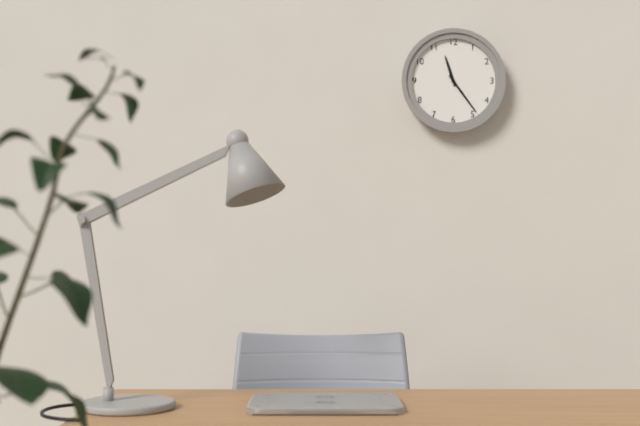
11 h 24 min
